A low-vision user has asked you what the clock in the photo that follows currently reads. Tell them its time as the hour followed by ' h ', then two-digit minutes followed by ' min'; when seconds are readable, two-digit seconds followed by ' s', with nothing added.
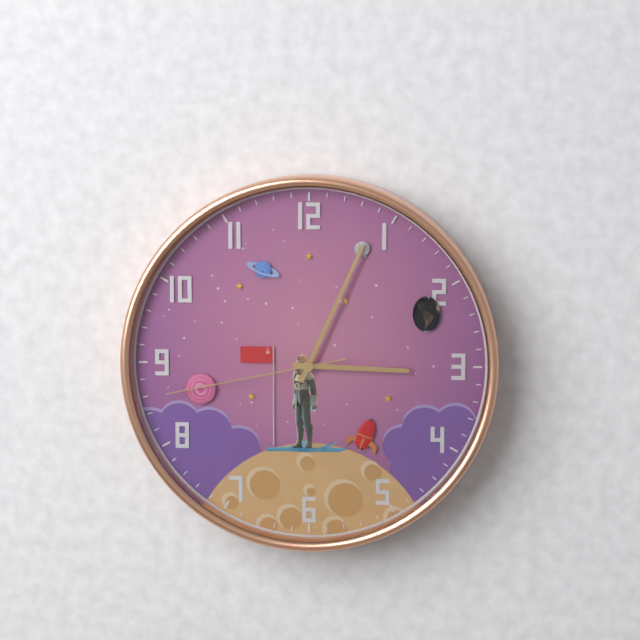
3 h 04 min 43 s
